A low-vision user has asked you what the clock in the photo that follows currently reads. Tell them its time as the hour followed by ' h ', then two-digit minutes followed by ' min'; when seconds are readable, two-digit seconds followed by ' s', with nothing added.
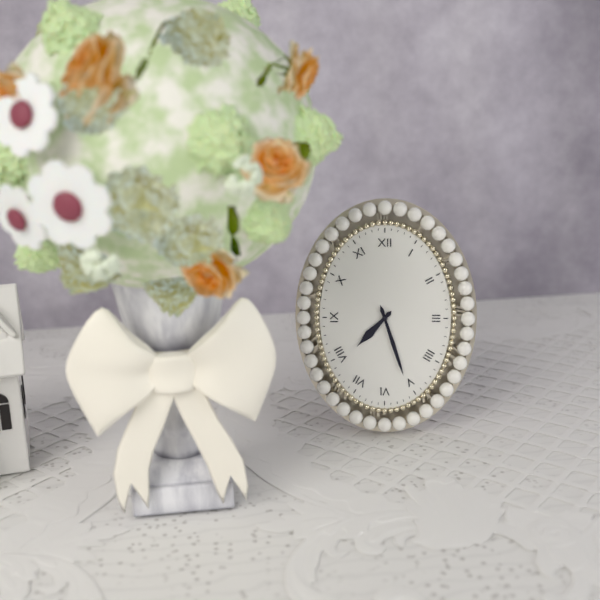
7 h 27 min
